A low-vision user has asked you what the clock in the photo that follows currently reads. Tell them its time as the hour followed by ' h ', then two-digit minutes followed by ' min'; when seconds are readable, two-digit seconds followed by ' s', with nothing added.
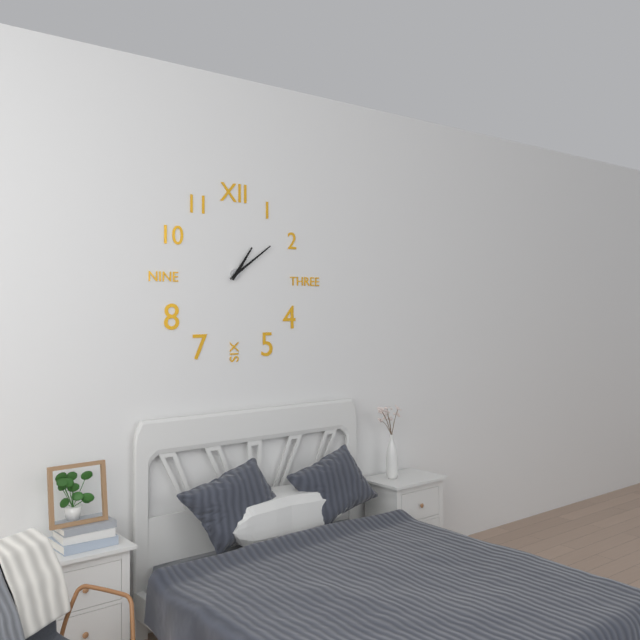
1 h 09 min
